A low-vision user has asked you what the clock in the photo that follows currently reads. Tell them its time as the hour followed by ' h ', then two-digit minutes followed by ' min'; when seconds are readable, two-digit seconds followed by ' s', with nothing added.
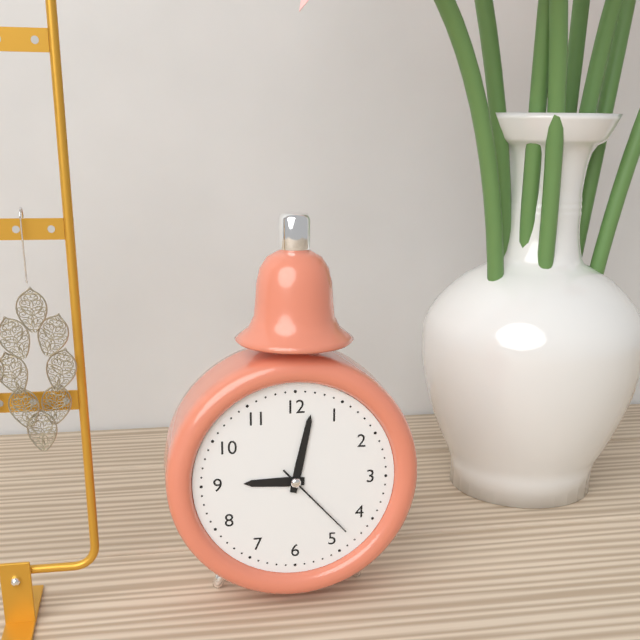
9 h 02 min 23 s
